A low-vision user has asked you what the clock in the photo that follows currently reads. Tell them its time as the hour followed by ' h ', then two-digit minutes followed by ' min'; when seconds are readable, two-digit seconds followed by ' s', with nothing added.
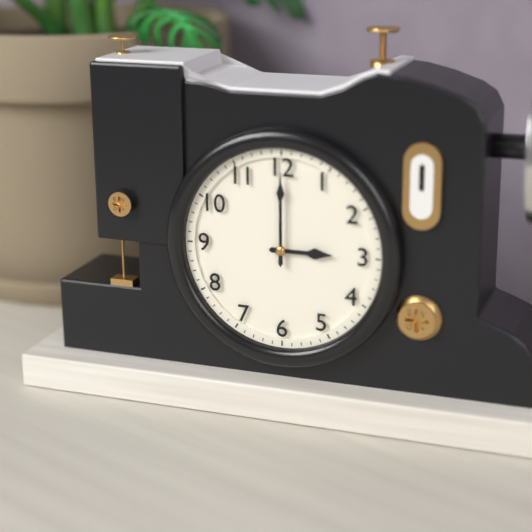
3 h 00 min
